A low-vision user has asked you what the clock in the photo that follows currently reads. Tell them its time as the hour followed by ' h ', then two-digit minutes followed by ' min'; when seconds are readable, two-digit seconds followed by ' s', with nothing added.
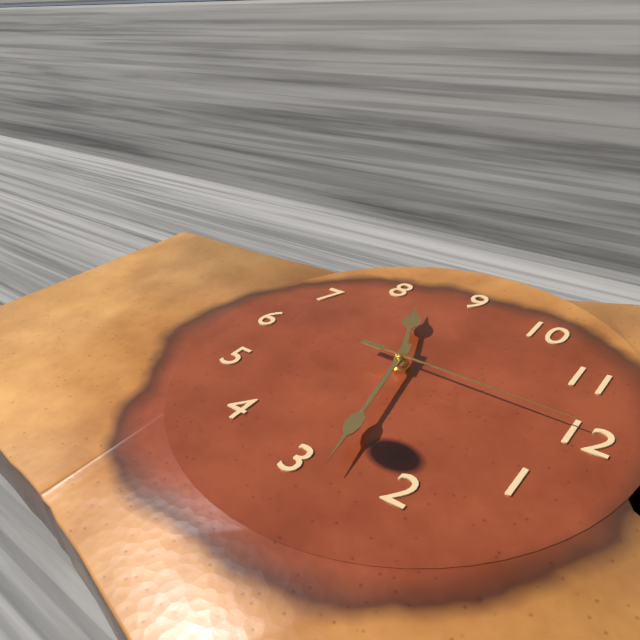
8 h 13 min 00 s
